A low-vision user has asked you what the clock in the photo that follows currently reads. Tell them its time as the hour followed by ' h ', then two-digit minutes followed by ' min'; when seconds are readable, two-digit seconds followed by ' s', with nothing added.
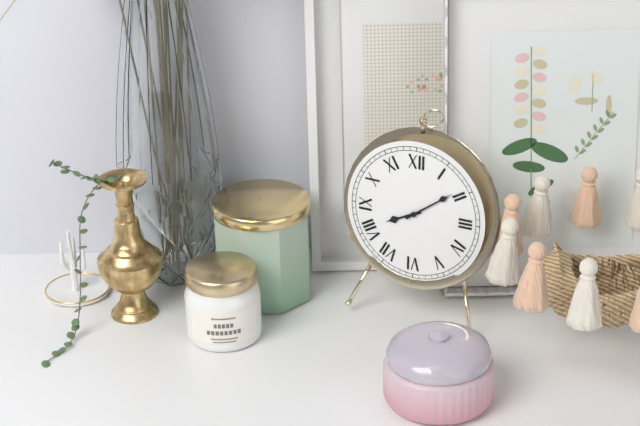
8 h 09 min
